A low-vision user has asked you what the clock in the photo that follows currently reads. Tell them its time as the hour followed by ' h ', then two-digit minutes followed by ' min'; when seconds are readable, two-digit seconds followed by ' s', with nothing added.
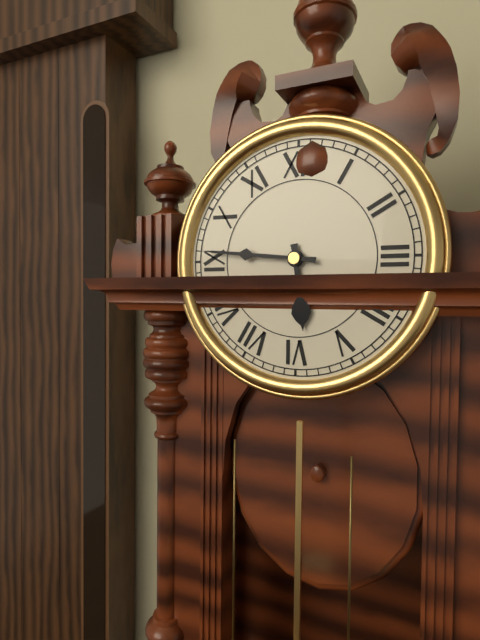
5 h 46 min
